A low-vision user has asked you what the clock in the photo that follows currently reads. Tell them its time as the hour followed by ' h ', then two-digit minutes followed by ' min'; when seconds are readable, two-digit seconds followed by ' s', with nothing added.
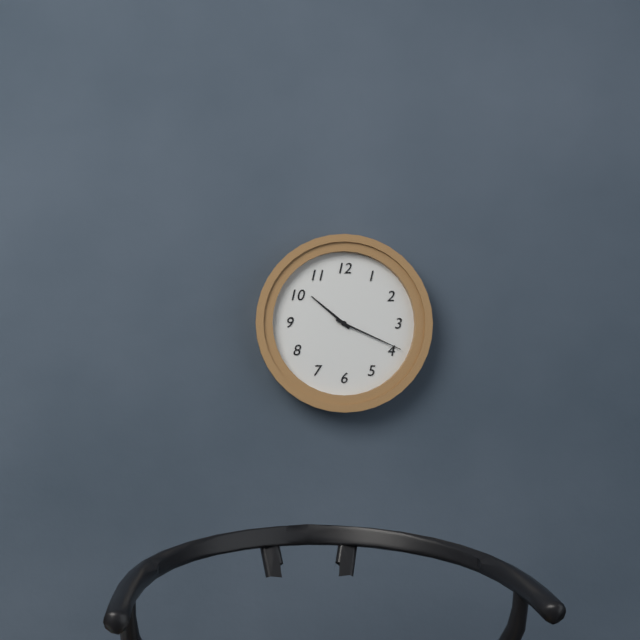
10 h 19 min
